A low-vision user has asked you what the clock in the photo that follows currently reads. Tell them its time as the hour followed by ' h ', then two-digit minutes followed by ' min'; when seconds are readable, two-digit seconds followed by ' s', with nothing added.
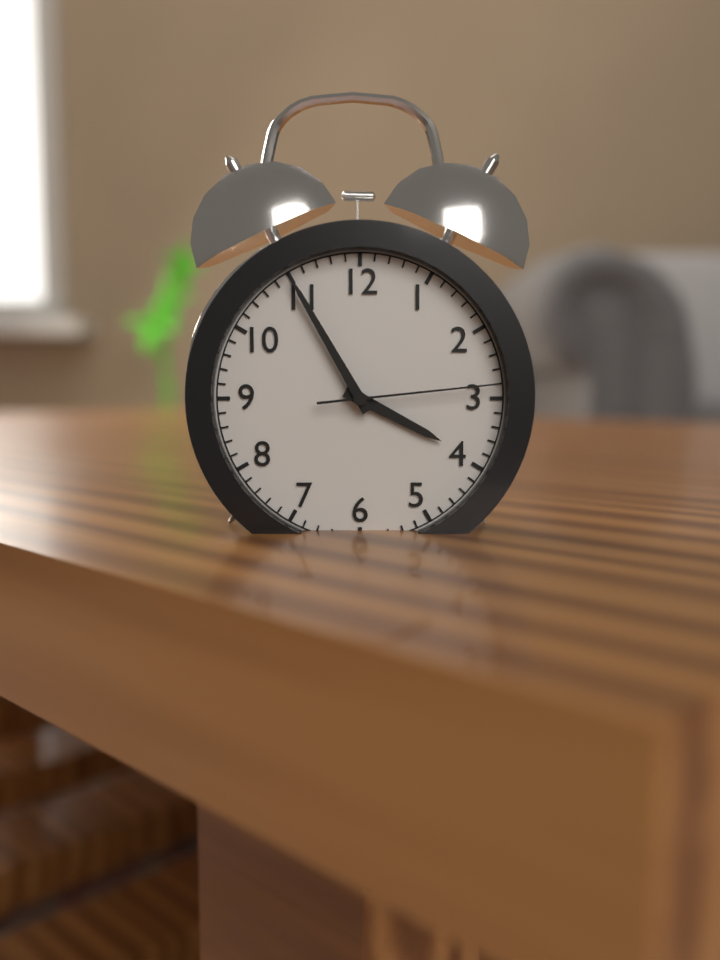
3 h 55 min 14 s
